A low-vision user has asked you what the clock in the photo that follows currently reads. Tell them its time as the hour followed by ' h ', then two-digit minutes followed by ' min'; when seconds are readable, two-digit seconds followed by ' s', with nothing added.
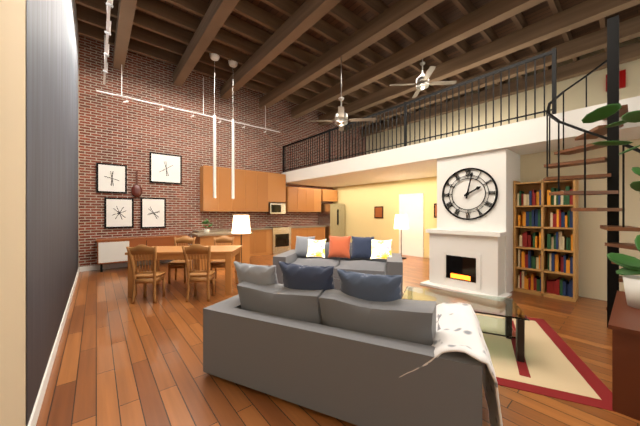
2 h 02 min
